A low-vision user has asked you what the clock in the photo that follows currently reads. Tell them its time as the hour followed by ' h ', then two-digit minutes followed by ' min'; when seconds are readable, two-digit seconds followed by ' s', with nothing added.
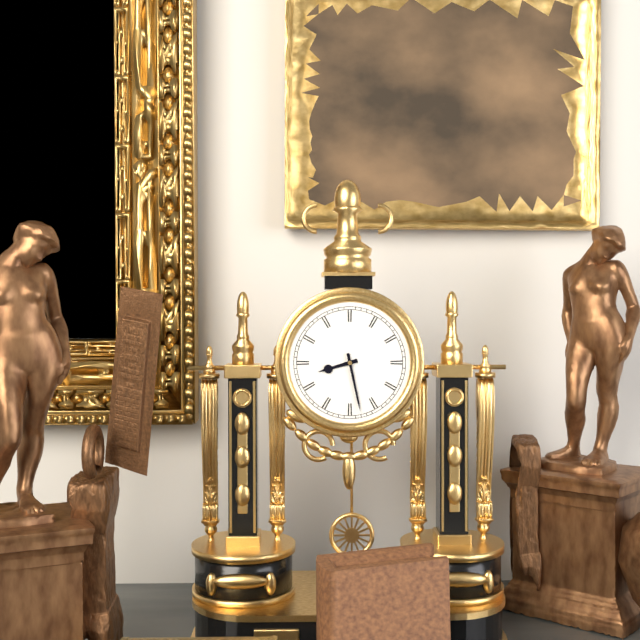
8 h 28 min
